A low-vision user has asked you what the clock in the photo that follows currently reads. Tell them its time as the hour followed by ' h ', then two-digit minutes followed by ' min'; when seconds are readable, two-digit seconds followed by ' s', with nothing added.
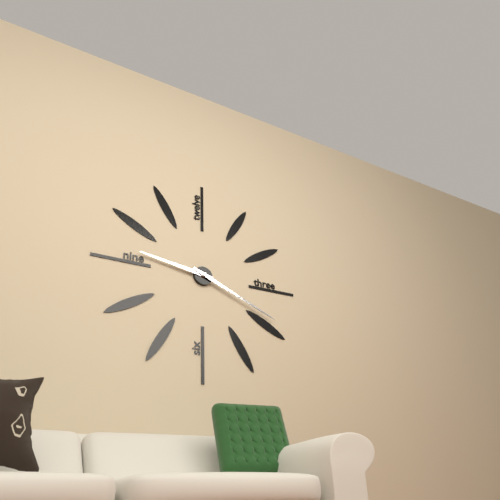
9 h 19 min
